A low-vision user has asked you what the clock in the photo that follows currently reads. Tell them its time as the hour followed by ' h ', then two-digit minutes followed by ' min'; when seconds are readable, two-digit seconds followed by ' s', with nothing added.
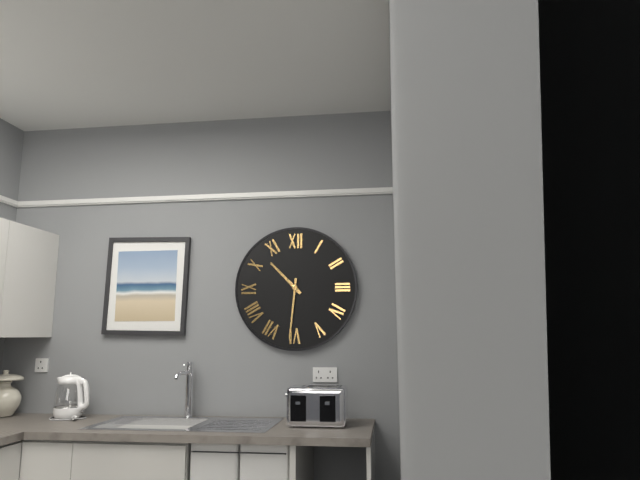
10 h 31 min
